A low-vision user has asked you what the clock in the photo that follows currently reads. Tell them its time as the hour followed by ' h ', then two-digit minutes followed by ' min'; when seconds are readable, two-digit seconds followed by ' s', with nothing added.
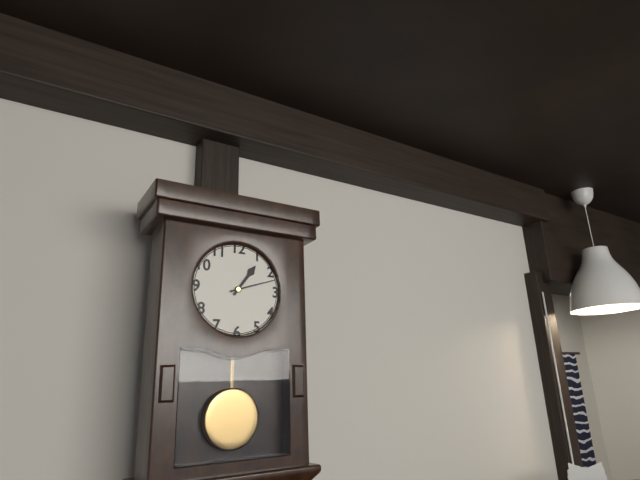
1 h 12 min
